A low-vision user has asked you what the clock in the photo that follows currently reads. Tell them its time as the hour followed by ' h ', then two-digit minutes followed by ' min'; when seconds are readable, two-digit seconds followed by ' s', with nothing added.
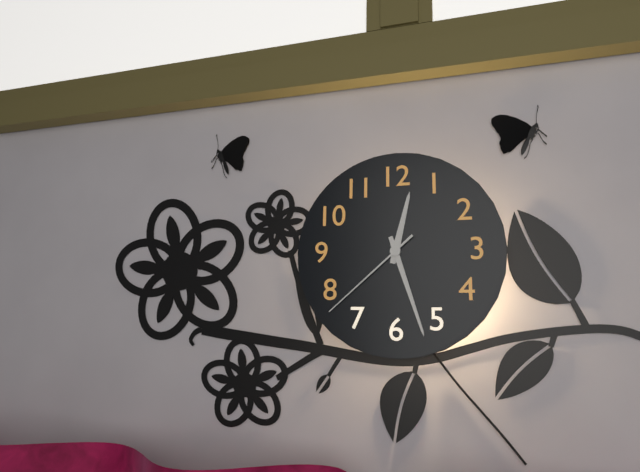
12 h 27 min 38 s
